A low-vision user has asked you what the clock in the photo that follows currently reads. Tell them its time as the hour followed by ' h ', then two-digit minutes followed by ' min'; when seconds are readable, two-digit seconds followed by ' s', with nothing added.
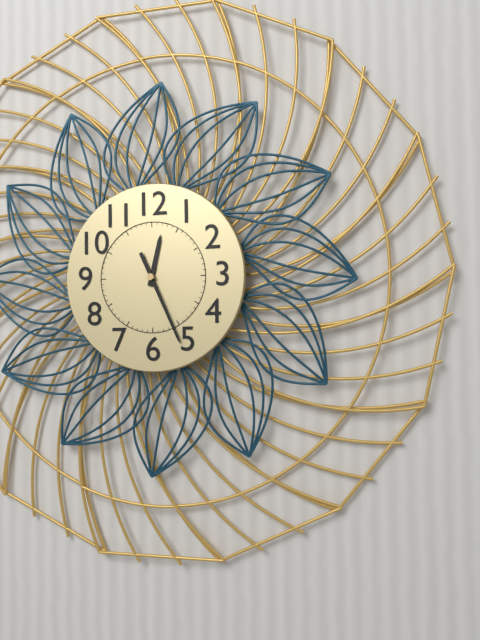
12 h 26 min
